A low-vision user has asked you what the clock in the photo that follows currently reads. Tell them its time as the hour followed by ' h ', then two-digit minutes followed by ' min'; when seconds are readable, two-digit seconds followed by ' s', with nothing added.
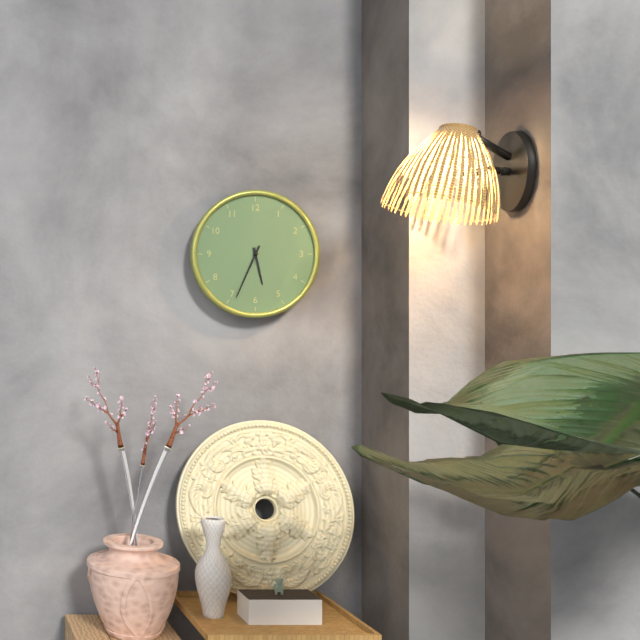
5 h 34 min
